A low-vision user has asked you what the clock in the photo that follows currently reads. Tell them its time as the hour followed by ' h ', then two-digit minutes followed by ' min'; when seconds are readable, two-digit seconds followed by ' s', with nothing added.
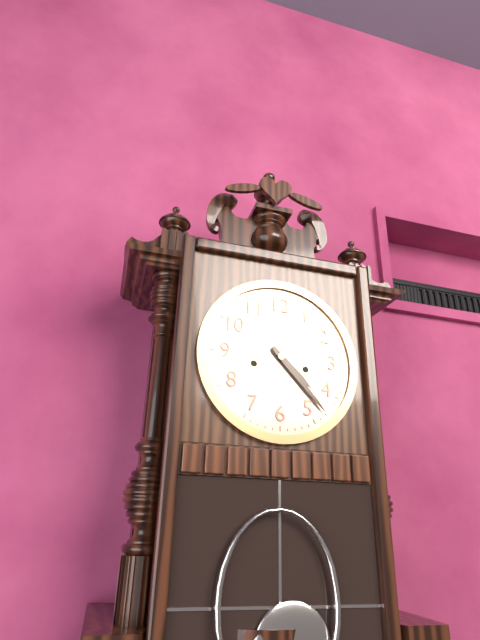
4 h 23 min
